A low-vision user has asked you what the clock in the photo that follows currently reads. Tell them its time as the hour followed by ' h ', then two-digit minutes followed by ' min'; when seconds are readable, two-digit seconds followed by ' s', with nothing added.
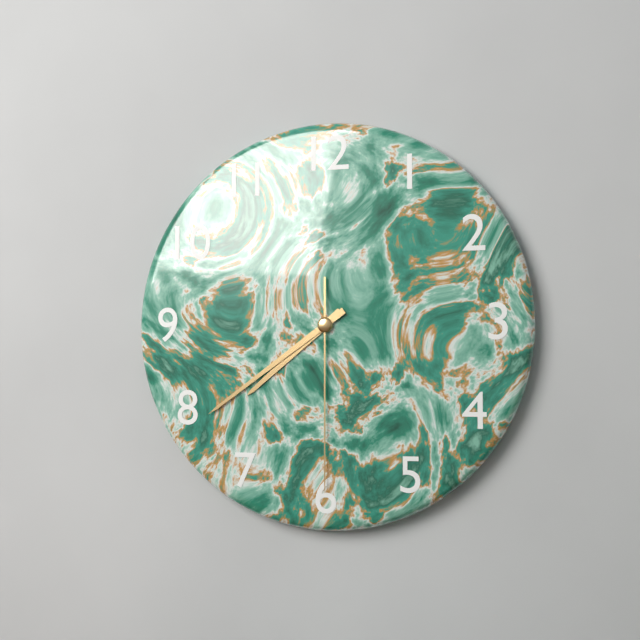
7 h 39 min 30 s
